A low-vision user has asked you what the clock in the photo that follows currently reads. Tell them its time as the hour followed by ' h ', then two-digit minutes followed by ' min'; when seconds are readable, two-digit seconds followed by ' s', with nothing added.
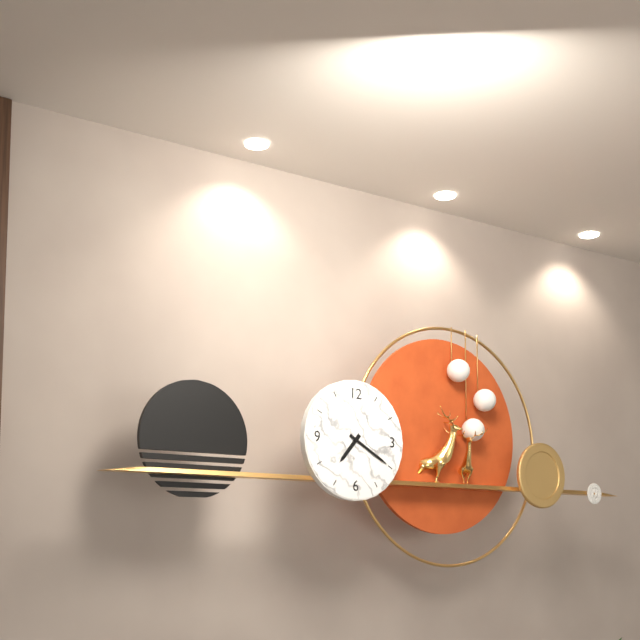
7 h 20 min
